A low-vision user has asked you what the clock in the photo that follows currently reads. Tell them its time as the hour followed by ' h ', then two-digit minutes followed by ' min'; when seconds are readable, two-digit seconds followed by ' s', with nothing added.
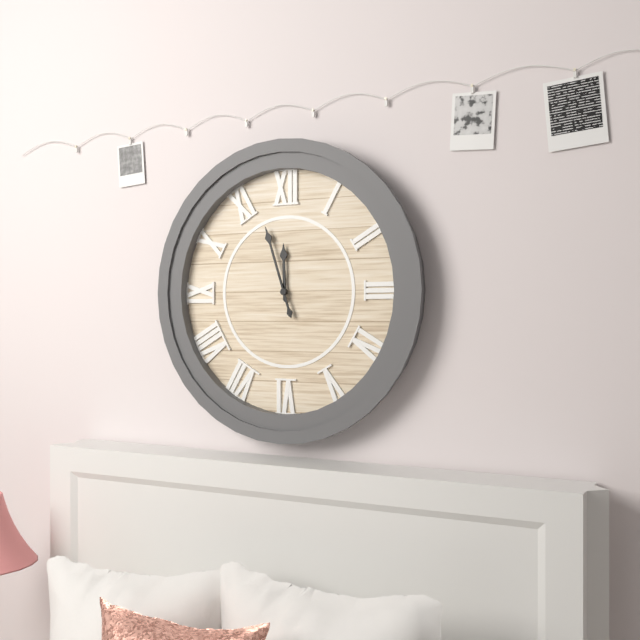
11 h 57 min
